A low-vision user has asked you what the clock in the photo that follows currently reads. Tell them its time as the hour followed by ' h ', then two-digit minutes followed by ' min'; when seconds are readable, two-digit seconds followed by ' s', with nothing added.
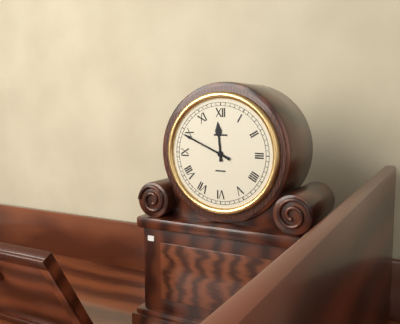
11 h 49 min
